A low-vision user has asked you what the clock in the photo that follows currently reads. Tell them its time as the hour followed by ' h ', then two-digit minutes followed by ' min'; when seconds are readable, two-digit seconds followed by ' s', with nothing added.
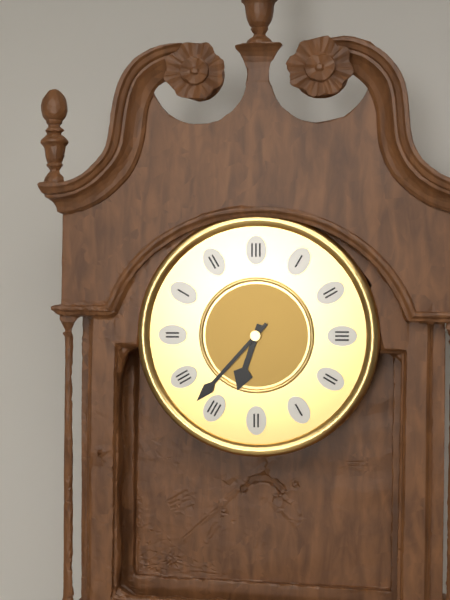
6 h 37 min
